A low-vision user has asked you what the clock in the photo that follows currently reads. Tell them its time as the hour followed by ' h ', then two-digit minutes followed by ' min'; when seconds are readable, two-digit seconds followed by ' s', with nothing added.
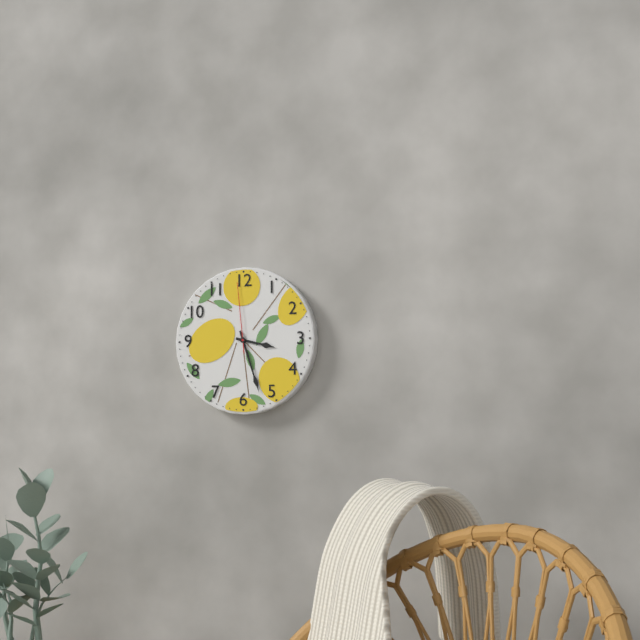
3 h 27 min 59 s
